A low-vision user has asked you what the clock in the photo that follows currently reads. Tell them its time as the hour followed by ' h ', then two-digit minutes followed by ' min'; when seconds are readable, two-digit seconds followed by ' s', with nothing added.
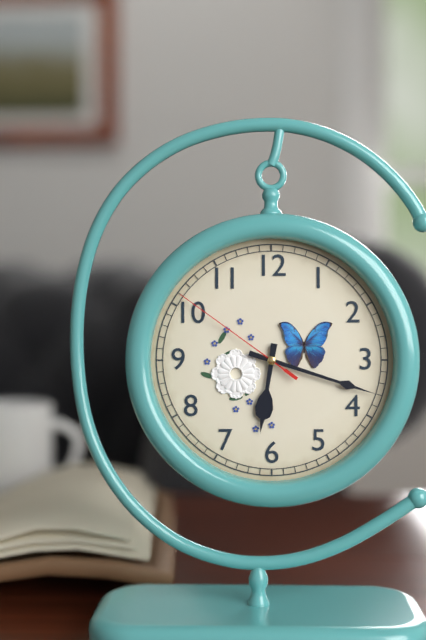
6 h 18 min 51 s
